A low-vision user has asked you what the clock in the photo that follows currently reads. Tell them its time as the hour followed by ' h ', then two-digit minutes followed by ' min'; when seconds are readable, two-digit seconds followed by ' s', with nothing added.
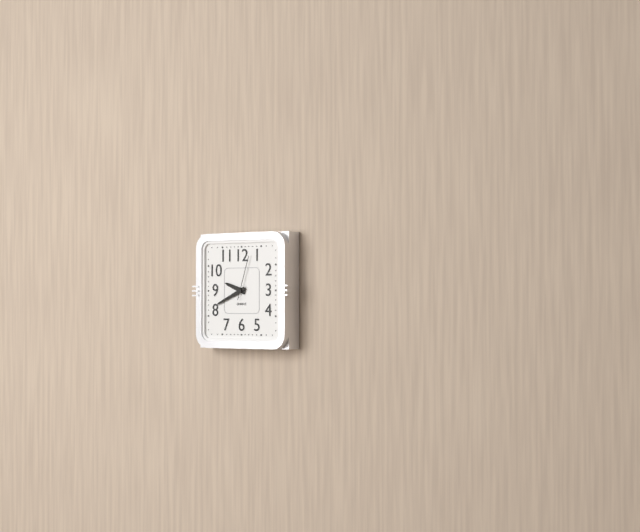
9 h 41 min
